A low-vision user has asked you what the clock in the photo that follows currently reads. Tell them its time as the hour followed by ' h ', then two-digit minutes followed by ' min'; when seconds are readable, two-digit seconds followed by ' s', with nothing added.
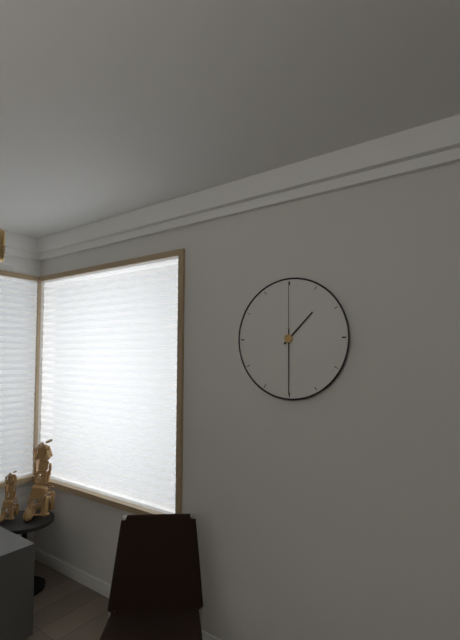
1 h 30 min 00 s
